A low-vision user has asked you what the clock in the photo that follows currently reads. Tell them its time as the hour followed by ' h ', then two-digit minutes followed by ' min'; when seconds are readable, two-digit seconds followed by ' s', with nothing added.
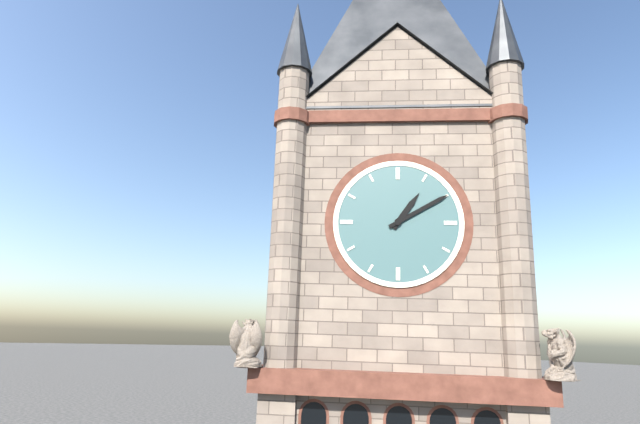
1 h 10 min
